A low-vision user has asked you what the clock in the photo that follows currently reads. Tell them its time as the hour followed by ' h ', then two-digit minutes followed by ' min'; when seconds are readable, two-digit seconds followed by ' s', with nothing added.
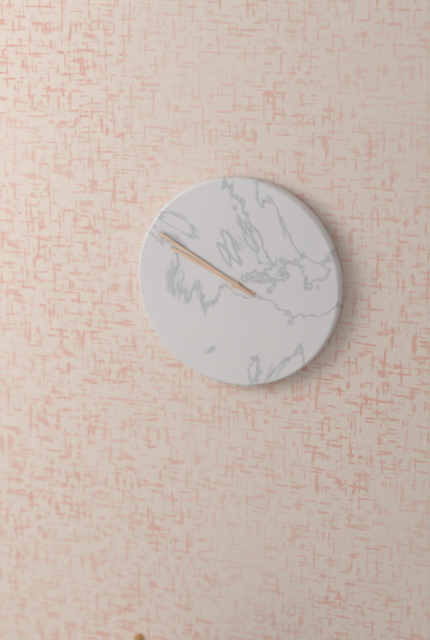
9 h 50 min
